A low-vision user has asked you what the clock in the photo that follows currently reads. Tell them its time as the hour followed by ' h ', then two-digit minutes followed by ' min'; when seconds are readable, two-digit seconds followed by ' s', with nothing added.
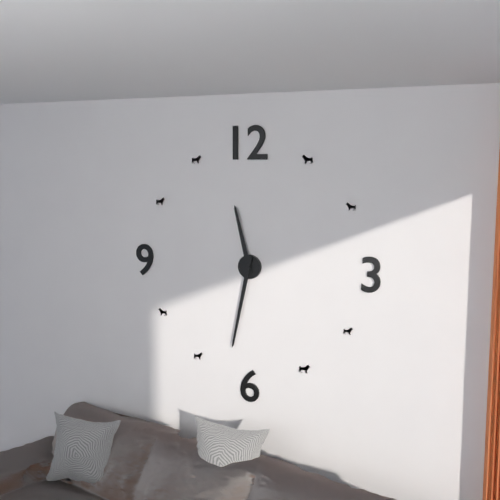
11 h 32 min
